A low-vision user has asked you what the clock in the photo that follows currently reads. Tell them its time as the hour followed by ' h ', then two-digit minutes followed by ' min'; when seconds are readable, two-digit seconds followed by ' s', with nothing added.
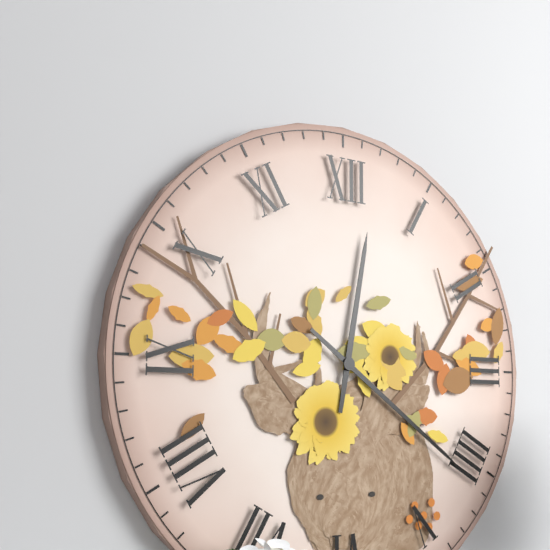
12 h 21 min
